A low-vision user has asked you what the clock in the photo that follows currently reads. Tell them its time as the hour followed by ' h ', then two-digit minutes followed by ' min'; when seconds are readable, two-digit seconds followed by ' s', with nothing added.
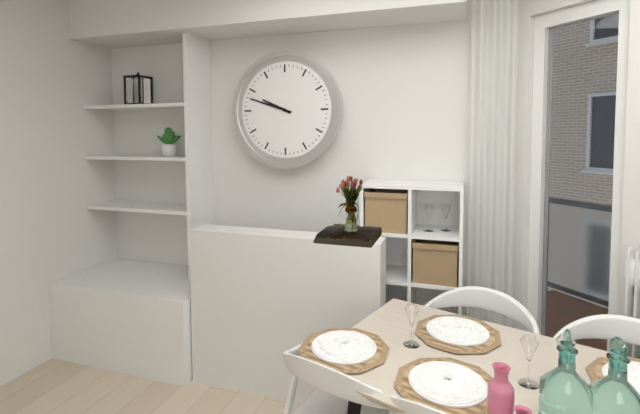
9 h 48 min
